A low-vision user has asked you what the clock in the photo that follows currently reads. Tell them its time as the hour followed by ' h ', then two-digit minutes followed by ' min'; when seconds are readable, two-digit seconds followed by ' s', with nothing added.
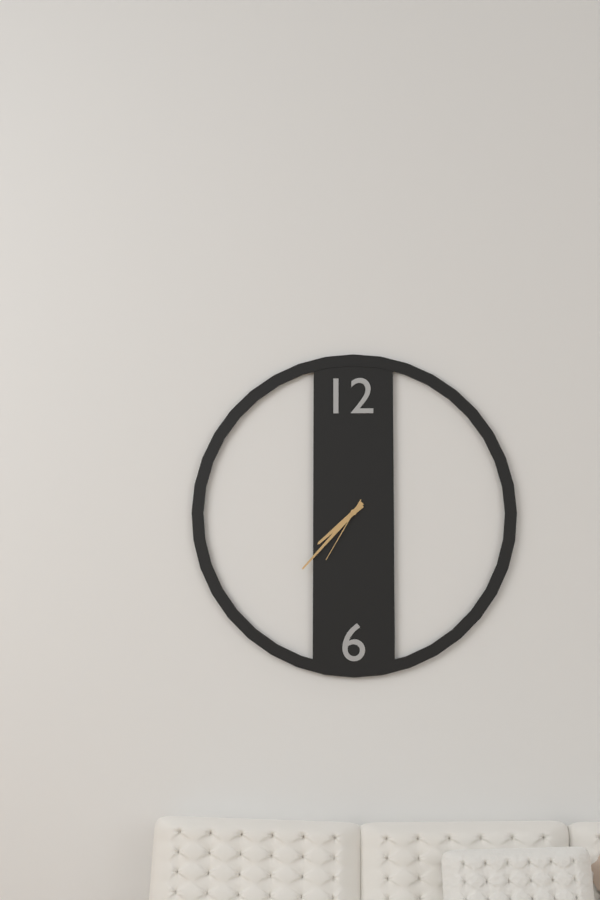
7 h 37 min 35 s
